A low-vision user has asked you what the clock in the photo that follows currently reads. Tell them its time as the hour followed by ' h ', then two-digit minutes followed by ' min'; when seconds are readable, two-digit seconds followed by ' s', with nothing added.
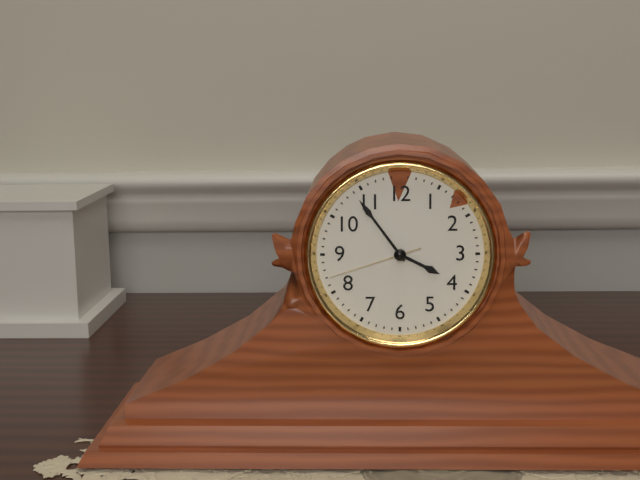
3 h 54 min 42 s
